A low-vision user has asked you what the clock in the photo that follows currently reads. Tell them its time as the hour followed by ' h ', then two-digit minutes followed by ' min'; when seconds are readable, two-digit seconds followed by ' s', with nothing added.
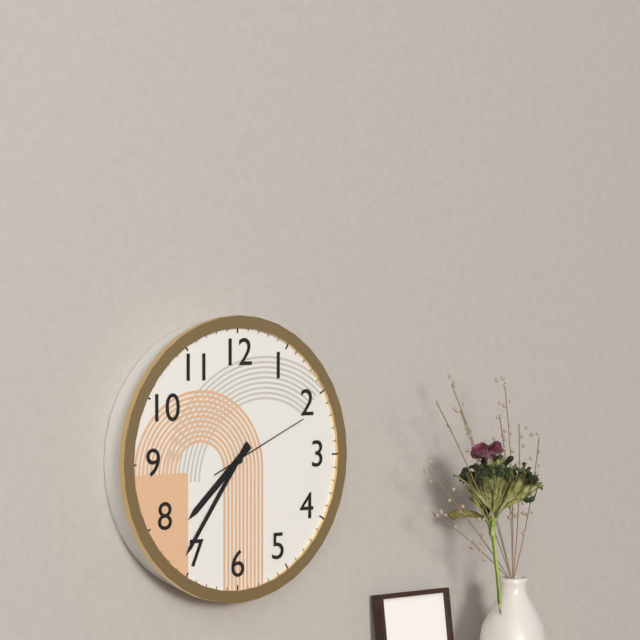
7 h 36 min 11 s
